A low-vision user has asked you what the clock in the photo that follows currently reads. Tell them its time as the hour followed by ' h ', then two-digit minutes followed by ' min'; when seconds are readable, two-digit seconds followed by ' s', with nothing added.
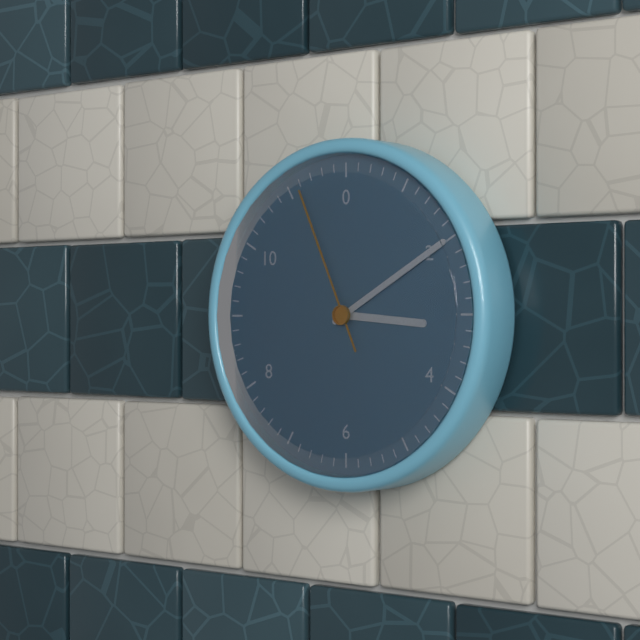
3 h 10 min 56 s
